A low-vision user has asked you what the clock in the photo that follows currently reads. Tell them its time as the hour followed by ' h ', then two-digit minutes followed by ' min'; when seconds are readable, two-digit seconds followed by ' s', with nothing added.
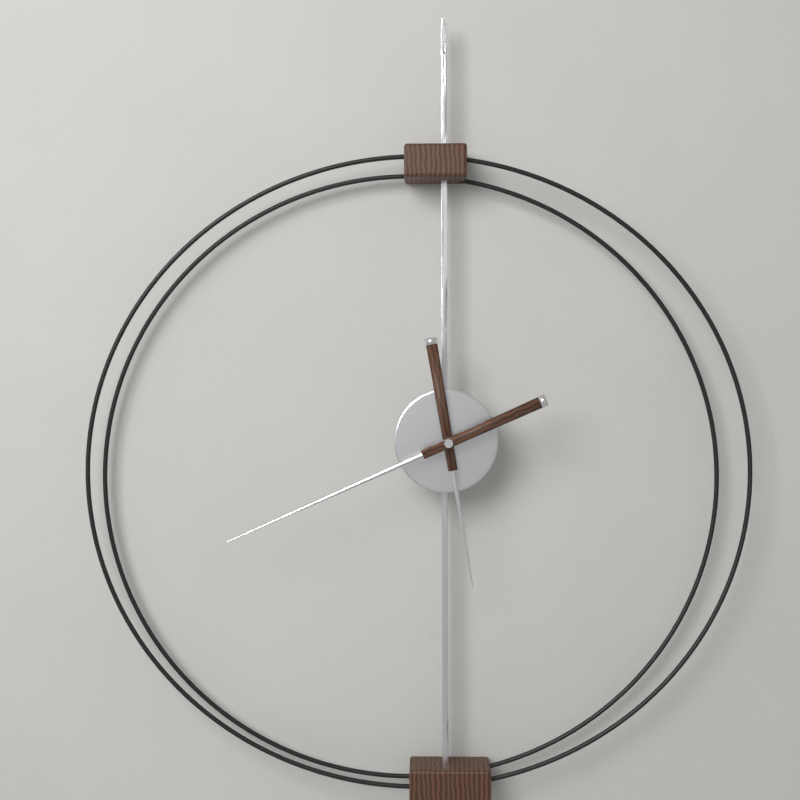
5 h 41 min
